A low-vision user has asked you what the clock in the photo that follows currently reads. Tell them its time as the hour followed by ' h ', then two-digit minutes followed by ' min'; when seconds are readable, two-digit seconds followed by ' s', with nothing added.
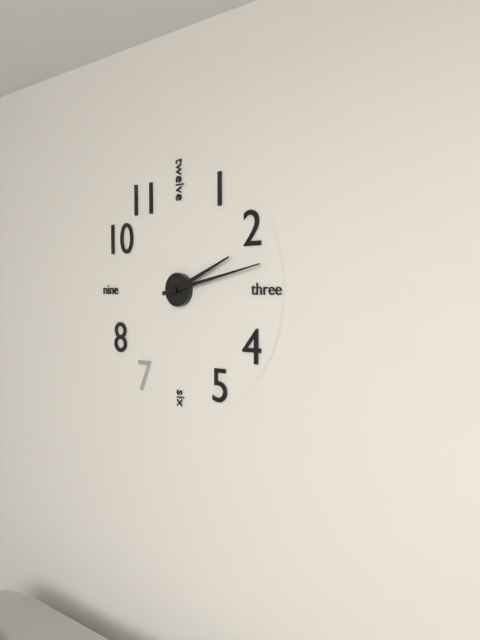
2 h 13 min
